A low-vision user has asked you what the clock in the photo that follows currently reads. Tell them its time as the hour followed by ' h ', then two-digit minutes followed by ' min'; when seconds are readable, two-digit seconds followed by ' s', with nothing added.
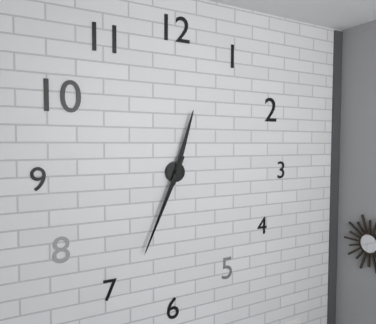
12 h 34 min
